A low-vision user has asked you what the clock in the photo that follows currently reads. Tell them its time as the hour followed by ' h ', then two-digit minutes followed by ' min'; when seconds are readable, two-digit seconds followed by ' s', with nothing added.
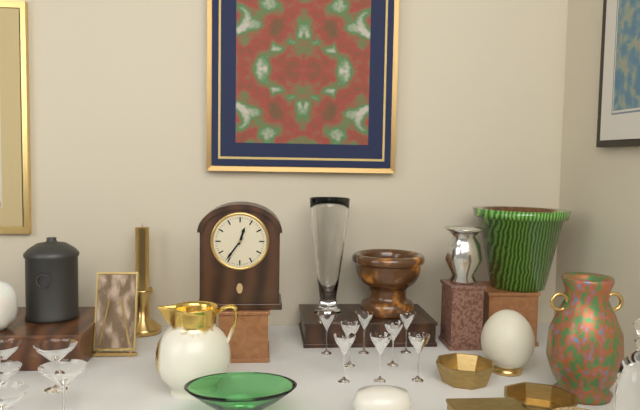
12 h 36 min
